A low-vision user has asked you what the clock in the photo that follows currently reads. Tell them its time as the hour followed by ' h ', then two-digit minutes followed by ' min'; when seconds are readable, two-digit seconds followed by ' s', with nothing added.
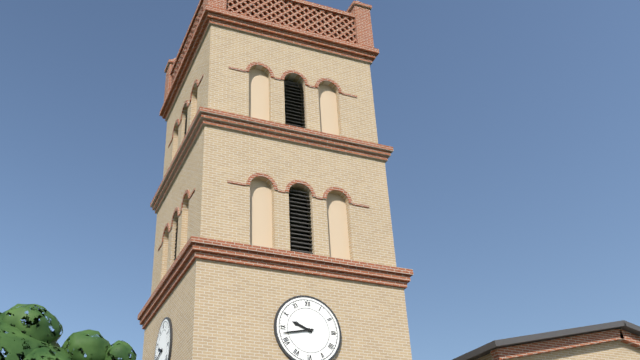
9 h 43 min
